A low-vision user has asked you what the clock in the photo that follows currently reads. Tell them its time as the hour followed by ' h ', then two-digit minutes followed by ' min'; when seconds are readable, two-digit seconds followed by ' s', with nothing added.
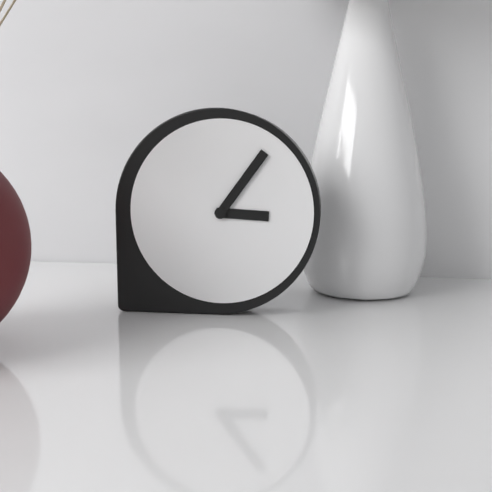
3 h 06 min
